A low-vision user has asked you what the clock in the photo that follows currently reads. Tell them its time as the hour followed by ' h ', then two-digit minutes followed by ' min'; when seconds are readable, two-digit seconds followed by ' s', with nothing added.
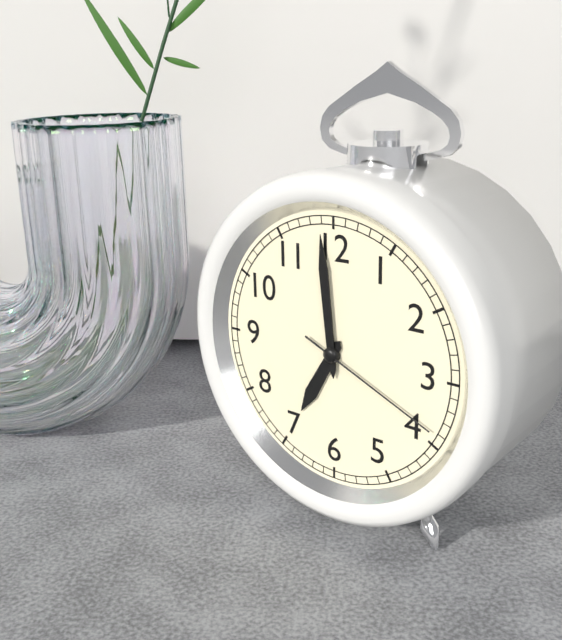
6 h 59 min 19 s
